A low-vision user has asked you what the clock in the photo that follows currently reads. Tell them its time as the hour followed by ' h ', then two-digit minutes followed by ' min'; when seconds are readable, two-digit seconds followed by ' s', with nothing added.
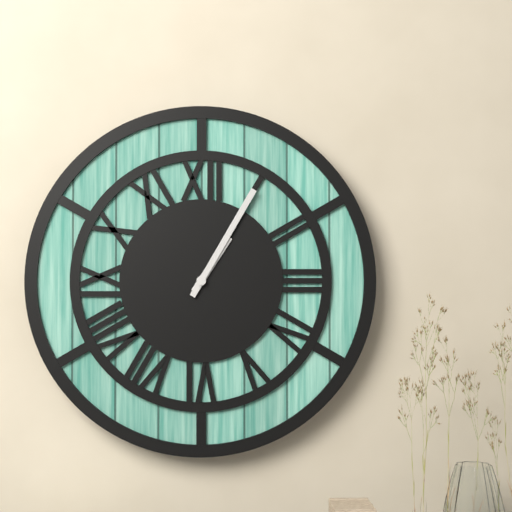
1 h 05 min
